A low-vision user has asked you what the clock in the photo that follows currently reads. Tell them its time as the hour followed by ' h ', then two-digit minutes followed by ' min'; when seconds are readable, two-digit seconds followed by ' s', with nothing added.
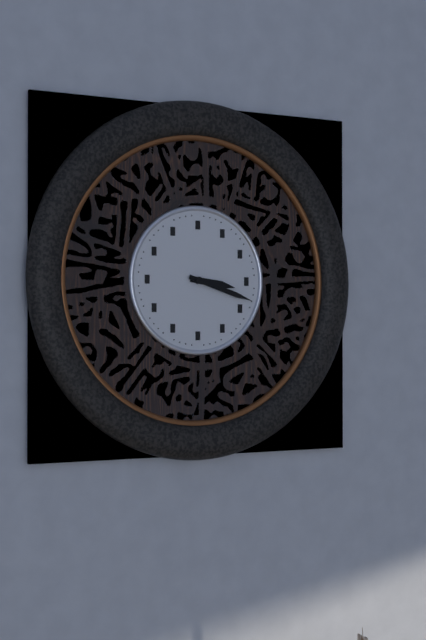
3 h 18 min
